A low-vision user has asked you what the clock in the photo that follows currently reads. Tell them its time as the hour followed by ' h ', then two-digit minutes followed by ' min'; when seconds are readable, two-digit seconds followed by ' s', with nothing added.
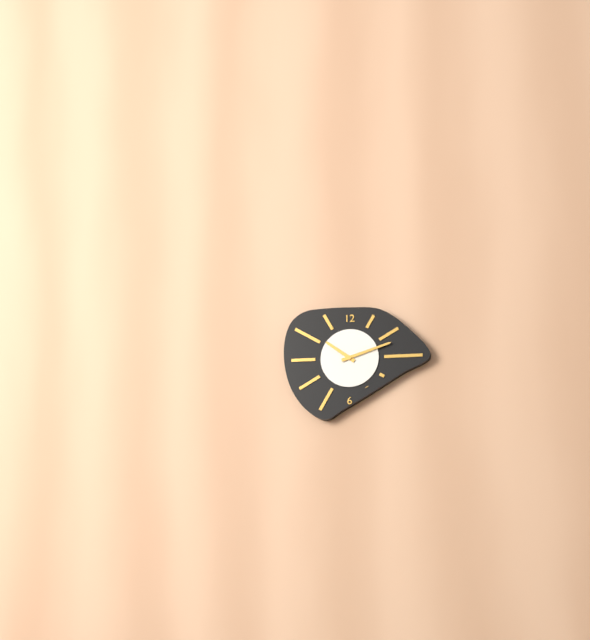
10 h 12 min
